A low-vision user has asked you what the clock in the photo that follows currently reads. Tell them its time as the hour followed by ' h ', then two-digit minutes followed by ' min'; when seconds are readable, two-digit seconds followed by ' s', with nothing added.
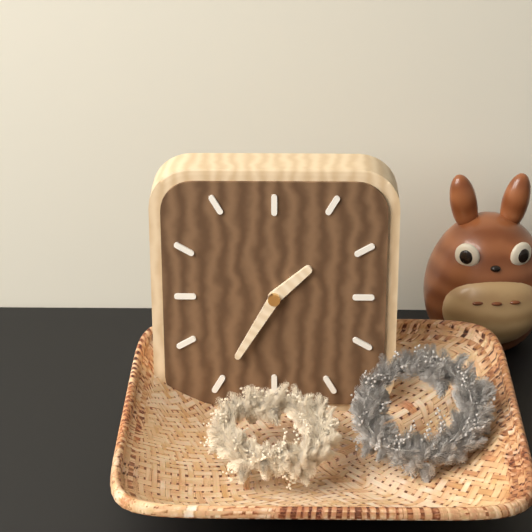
1 h 35 min
